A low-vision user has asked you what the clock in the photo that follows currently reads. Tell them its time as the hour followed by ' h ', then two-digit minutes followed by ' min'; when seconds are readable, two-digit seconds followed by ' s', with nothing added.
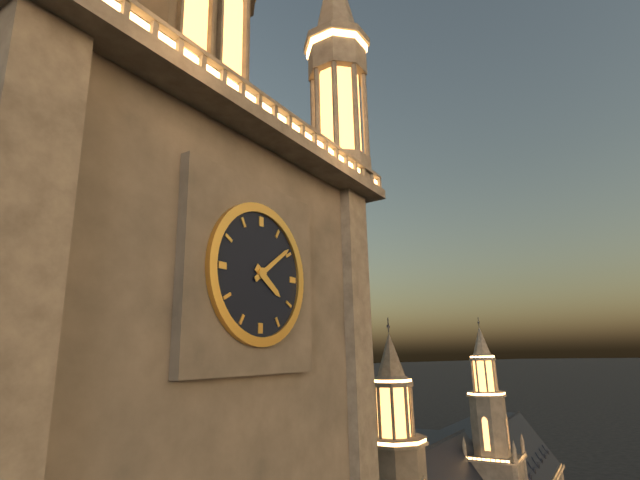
4 h 09 min
